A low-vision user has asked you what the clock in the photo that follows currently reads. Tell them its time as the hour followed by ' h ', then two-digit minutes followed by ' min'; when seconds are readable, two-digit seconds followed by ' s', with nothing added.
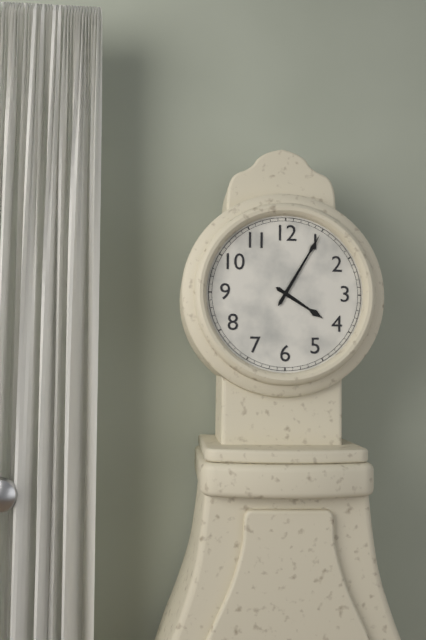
4 h 05 min
